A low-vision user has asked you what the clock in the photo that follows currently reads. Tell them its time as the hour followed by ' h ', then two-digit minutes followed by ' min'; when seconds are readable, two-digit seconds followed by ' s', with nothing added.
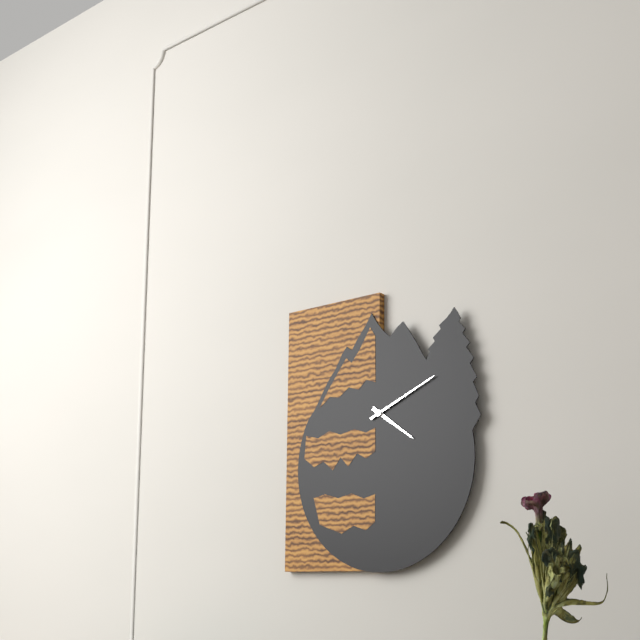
4 h 11 min
